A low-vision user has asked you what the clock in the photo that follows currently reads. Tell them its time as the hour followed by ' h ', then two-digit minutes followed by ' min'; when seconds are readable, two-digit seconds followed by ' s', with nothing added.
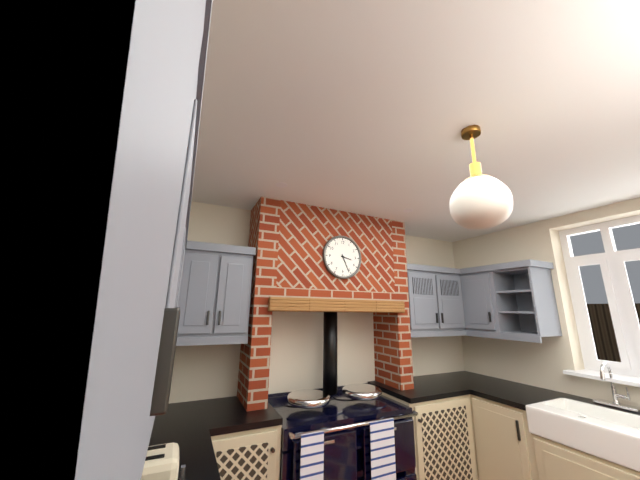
3 h 26 min
